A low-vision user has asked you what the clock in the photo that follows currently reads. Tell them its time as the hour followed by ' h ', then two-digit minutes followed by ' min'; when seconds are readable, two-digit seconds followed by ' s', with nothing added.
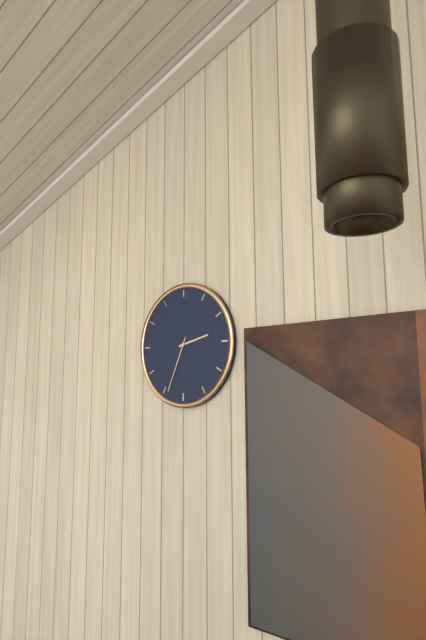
2 h 34 min
